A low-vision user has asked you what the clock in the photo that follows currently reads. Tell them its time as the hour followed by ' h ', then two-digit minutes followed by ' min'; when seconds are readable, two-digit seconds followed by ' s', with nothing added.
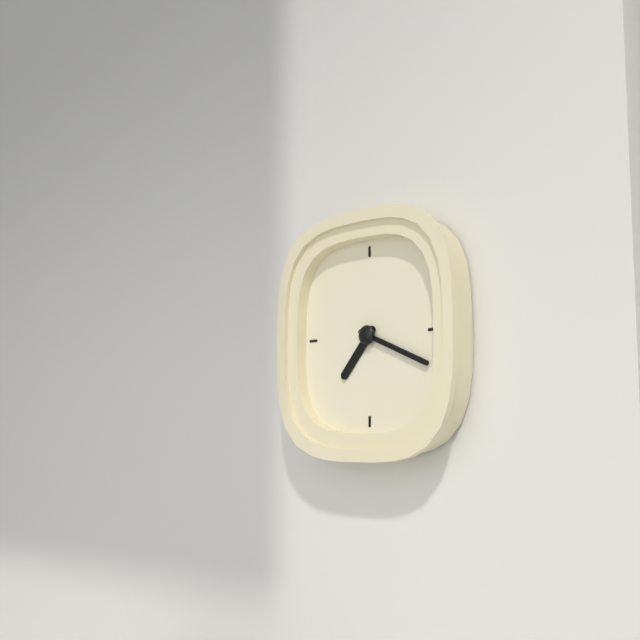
7 h 19 min
